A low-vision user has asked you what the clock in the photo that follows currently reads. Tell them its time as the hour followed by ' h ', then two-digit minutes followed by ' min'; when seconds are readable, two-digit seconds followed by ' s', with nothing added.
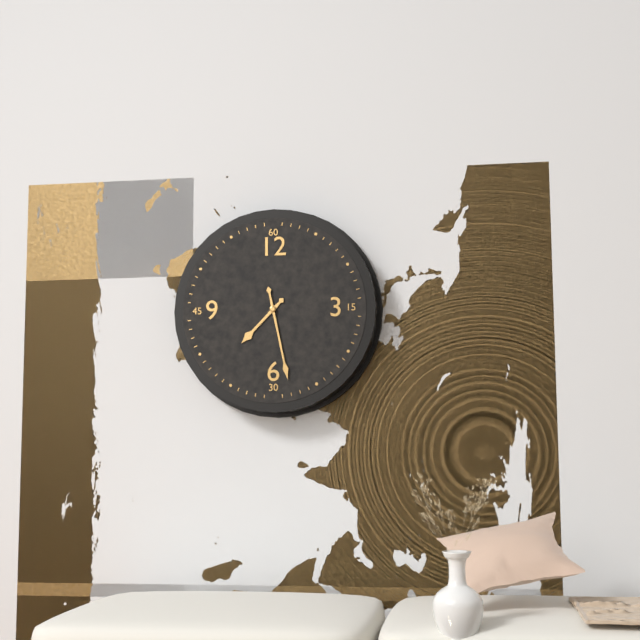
7 h 28 min
